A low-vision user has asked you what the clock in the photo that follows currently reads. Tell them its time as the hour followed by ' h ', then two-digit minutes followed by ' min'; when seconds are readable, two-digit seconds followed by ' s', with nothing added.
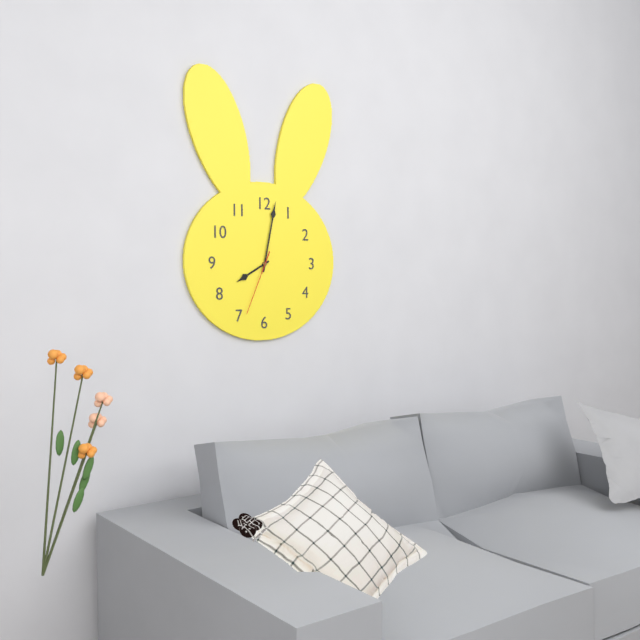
8 h 02 min 34 s
